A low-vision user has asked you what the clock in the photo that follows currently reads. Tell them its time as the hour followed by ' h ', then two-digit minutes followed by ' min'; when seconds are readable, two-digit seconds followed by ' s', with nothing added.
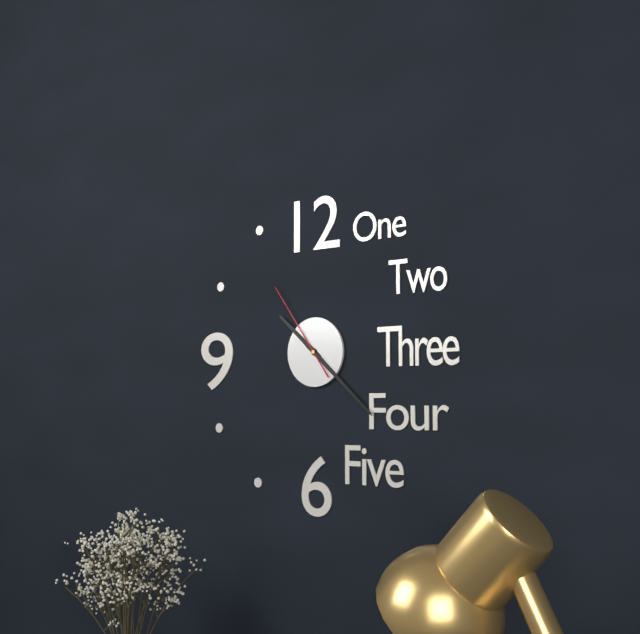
10 h 22 min 54 s
